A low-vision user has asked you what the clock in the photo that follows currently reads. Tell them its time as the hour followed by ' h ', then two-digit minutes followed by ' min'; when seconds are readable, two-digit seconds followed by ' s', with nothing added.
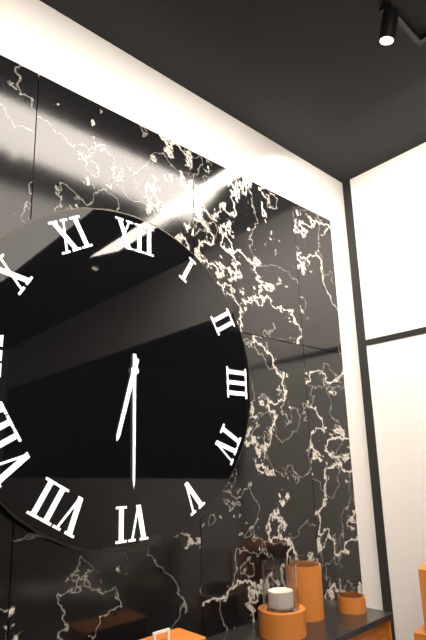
6 h 30 min
